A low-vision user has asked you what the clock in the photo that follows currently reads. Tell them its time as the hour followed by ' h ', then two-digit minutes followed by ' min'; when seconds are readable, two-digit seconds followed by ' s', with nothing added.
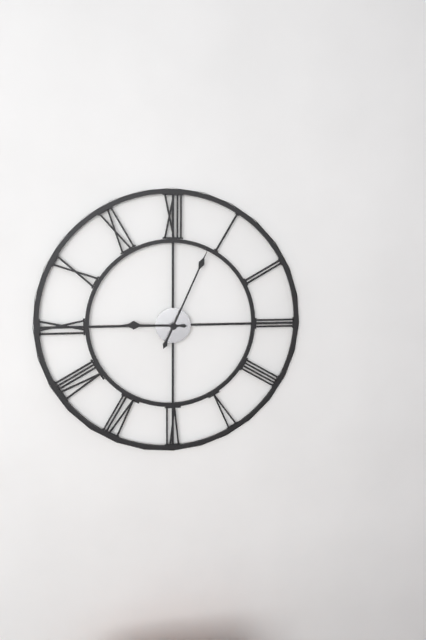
9 h 04 min
